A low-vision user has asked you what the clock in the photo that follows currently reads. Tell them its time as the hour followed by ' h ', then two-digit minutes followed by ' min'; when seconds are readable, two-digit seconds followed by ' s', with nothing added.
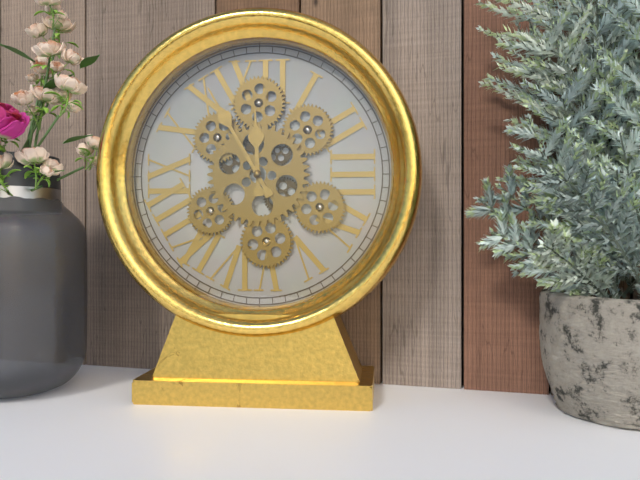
11 h 55 min
